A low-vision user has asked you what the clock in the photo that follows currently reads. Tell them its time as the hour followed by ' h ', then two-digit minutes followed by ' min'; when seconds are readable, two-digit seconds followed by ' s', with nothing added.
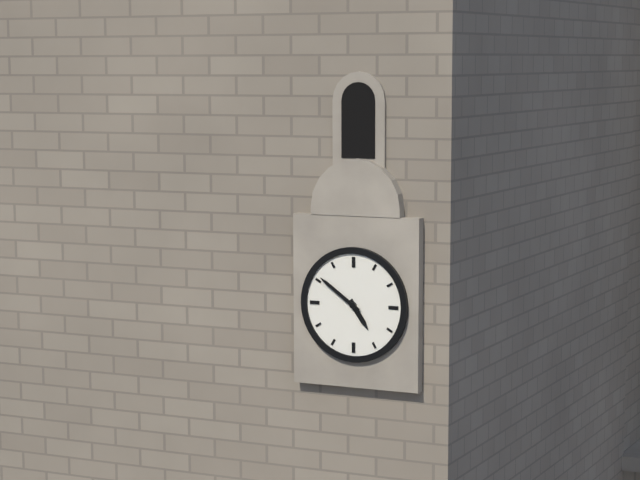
4 h 51 min
